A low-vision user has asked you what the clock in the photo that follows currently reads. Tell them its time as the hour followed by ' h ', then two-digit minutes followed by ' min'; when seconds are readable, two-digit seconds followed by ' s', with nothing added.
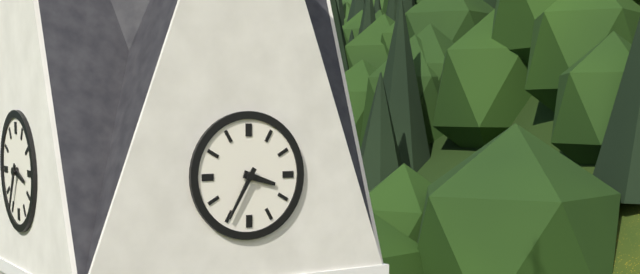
3 h 35 min
